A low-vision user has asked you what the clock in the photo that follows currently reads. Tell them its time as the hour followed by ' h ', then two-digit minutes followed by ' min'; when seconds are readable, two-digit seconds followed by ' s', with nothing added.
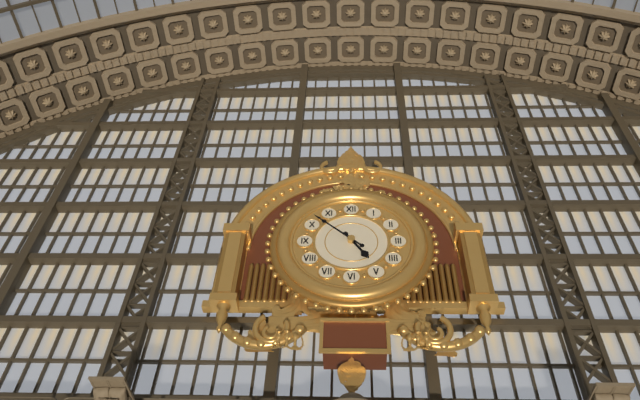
4 h 52 min
